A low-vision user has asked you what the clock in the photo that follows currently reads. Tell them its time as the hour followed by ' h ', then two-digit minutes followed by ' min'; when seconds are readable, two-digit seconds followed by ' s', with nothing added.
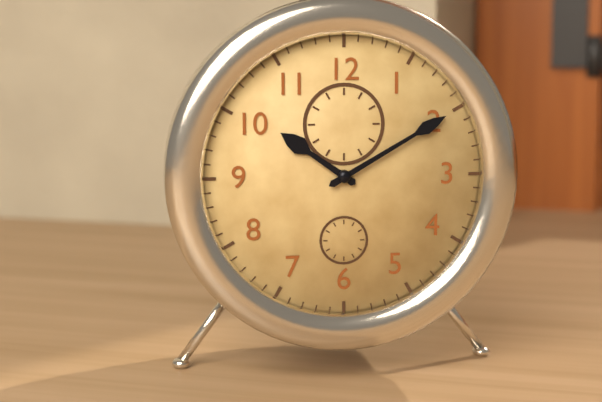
10 h 10 min
